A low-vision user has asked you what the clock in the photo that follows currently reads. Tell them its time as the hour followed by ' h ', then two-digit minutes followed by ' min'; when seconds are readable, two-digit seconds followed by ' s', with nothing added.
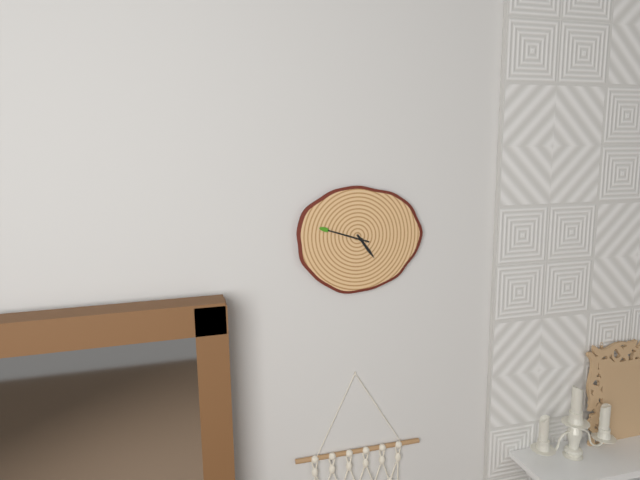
4 h 48 min
